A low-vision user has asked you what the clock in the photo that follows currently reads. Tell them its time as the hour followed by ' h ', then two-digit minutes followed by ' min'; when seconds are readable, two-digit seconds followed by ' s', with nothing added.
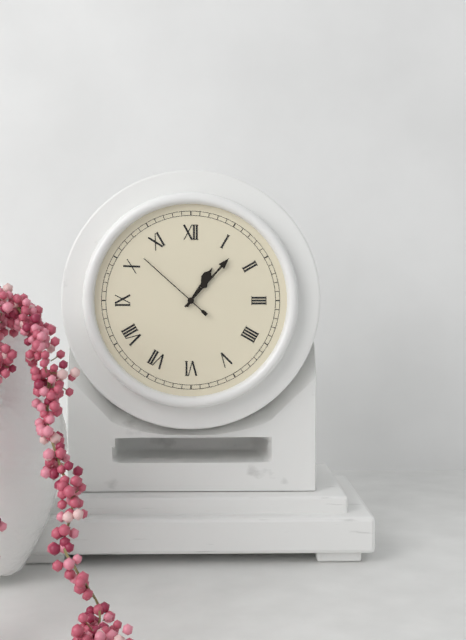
1 h 07 min 52 s
